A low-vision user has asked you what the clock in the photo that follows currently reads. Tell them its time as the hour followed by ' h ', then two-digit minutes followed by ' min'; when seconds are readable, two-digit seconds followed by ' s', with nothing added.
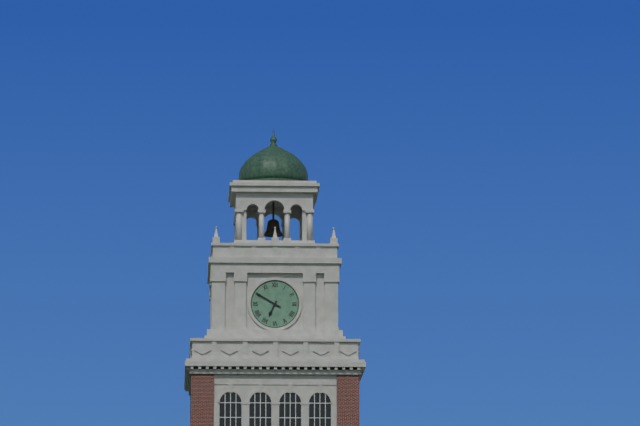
6 h 50 min
